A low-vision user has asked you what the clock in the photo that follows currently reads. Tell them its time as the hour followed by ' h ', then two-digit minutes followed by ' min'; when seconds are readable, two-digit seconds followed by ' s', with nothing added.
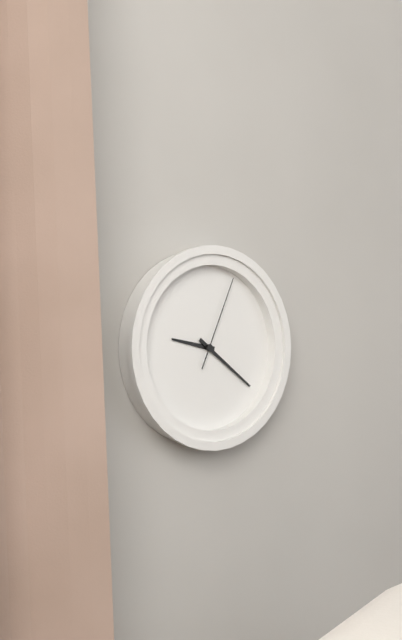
9 h 21 min 04 s
